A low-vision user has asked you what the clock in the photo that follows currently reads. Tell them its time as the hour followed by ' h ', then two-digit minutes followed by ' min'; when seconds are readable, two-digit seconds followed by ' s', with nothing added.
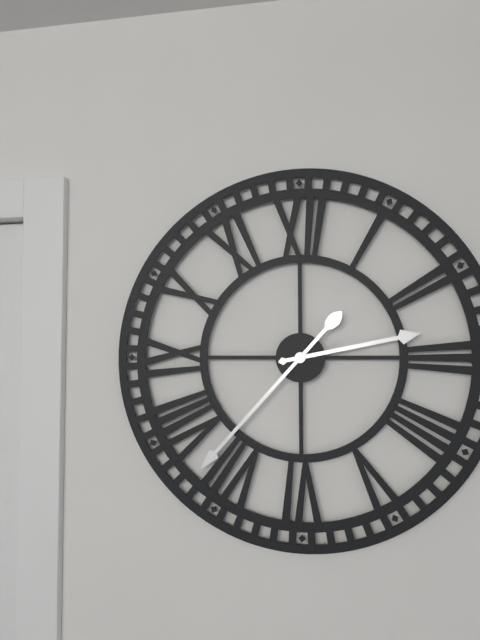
2 h 37 min
